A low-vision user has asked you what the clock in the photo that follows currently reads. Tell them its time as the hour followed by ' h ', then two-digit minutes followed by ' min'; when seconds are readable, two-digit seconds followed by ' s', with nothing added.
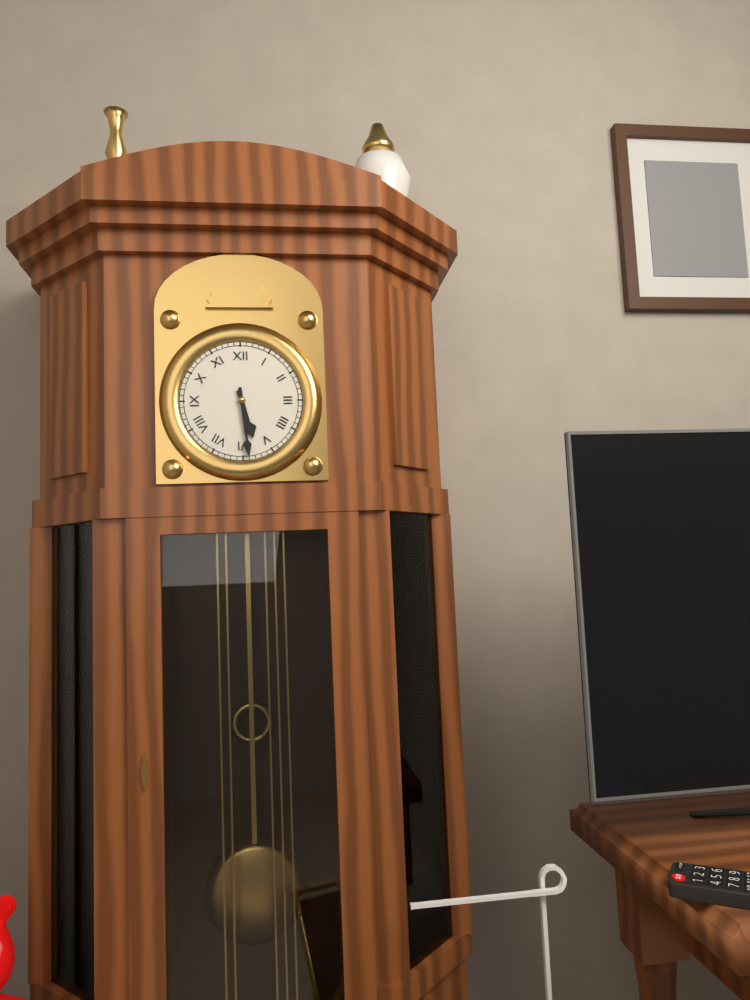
5 h 29 min
